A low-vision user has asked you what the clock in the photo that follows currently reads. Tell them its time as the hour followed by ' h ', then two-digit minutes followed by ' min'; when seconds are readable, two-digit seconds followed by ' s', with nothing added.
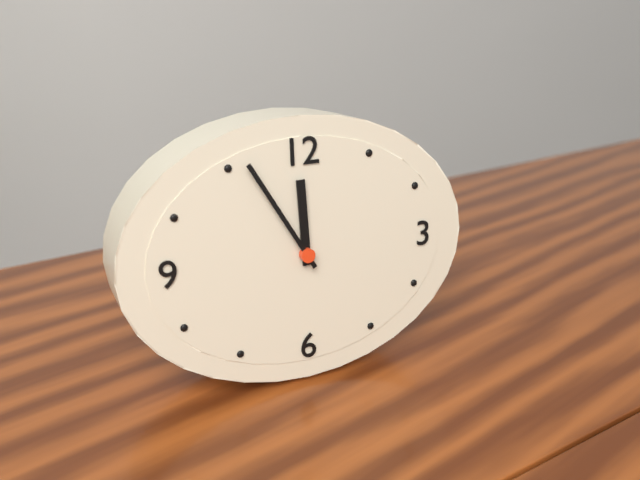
11 h 55 min
